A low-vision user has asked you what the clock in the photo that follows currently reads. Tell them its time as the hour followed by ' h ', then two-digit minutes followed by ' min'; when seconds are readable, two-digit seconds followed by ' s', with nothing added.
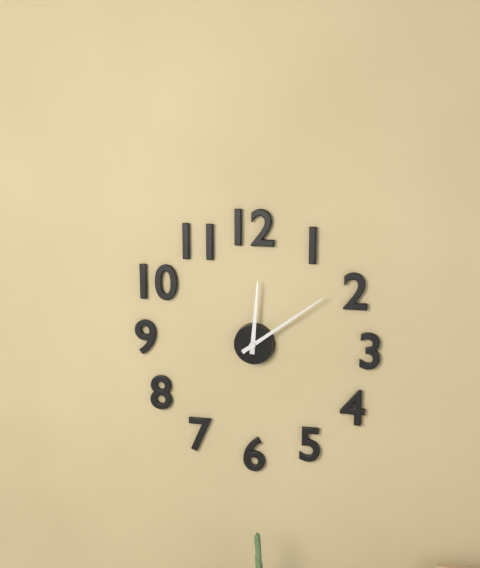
12 h 09 min
